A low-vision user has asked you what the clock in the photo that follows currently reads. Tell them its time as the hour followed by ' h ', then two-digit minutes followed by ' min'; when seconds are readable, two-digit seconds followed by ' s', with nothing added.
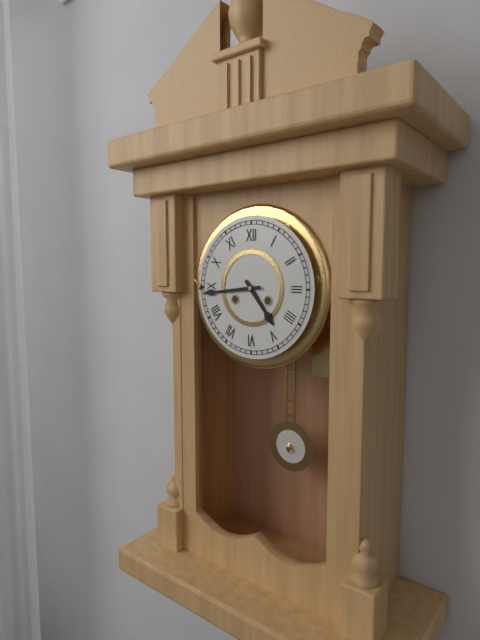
4 h 44 min
